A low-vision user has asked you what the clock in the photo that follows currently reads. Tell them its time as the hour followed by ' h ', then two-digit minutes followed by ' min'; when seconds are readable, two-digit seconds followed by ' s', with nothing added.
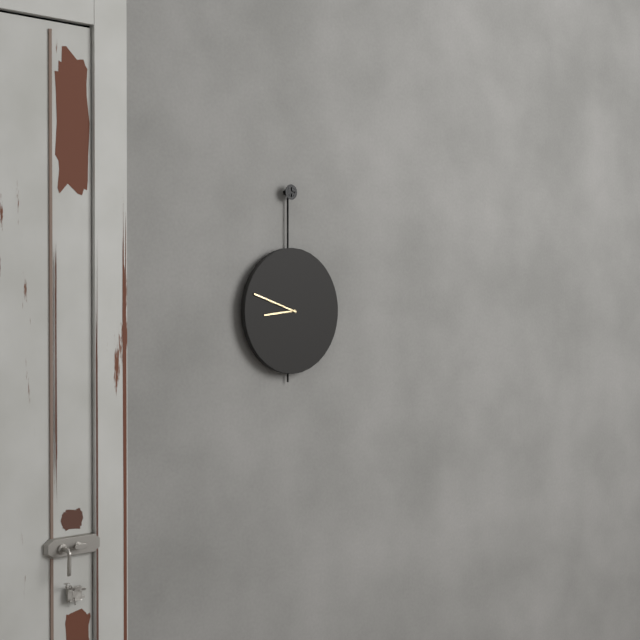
8 h 48 min
